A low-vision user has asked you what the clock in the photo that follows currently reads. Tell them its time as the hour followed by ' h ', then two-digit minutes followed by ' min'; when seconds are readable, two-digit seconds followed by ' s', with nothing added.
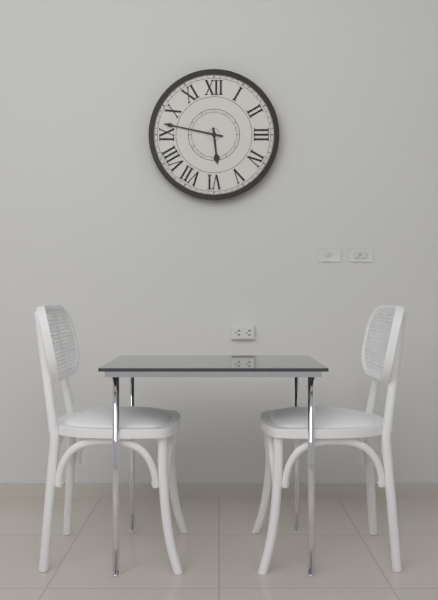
5 h 47 min
